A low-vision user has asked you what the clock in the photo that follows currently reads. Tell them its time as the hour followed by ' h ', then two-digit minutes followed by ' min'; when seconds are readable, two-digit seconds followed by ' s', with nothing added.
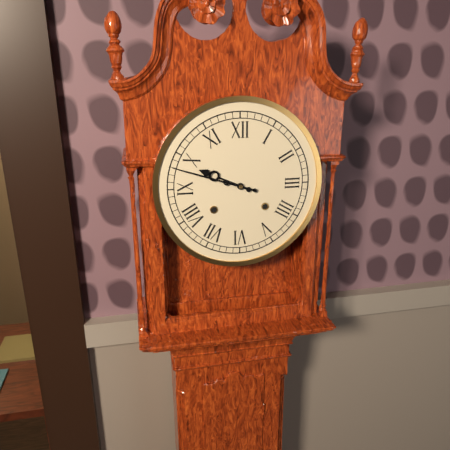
9 h 48 min
